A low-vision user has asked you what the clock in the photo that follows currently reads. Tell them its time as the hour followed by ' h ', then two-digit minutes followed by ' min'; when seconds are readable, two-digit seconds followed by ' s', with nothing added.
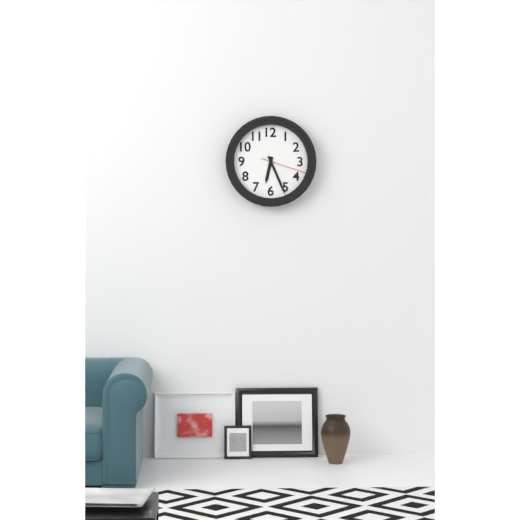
6 h 26 min
